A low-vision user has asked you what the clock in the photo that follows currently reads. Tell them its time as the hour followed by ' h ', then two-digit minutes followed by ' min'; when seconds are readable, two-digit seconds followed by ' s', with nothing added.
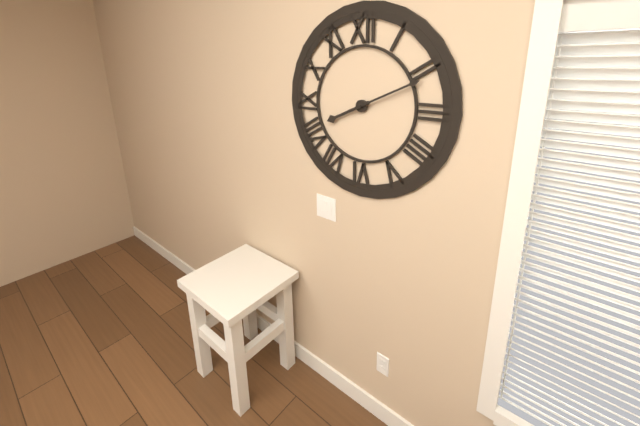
8 h 11 min
